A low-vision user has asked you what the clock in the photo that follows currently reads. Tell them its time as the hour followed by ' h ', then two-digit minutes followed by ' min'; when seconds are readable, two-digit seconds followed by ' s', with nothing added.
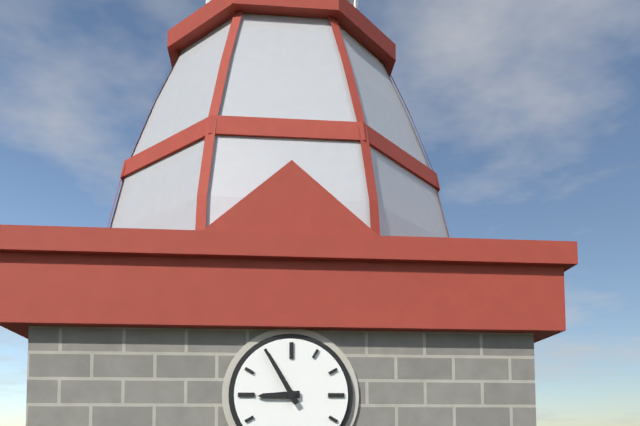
8 h 55 min
